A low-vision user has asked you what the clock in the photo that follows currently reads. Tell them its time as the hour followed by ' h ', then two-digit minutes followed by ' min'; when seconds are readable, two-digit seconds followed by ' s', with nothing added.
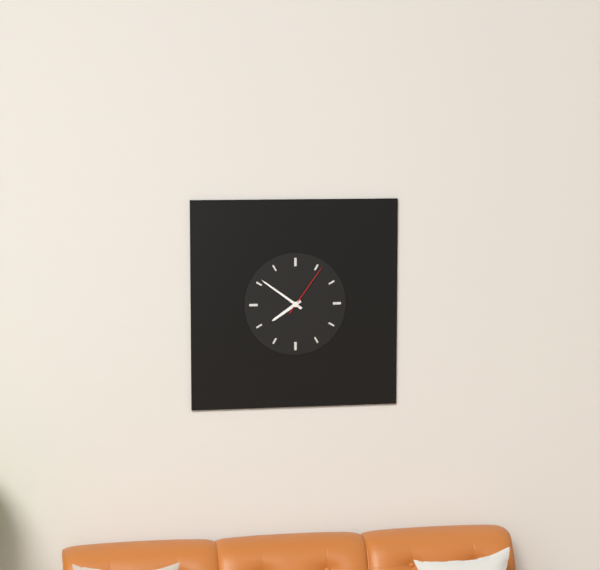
7 h 51 min 06 s
